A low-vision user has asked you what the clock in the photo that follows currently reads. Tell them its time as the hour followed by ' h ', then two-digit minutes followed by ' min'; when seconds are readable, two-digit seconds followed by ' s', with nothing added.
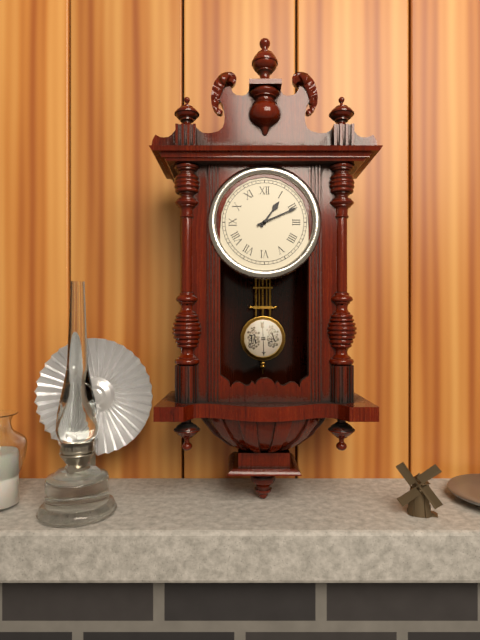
1 h 11 min
